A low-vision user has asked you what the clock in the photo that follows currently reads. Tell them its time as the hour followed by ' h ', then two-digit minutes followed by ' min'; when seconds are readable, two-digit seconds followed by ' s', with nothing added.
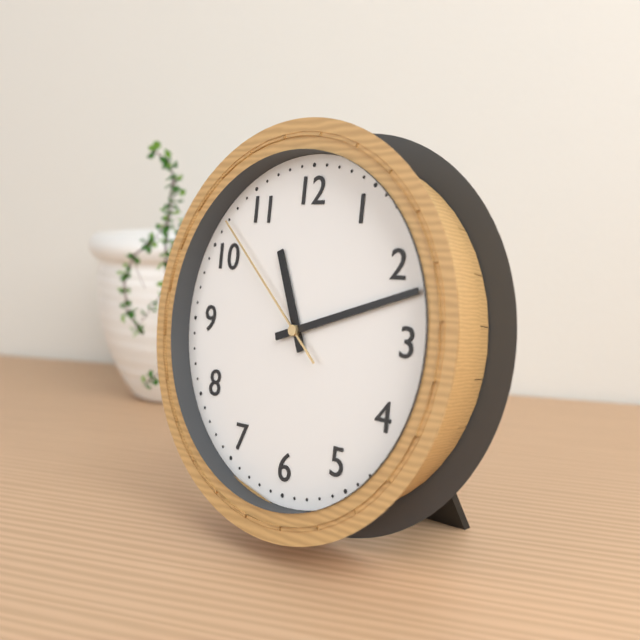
11 h 12 min 52 s
